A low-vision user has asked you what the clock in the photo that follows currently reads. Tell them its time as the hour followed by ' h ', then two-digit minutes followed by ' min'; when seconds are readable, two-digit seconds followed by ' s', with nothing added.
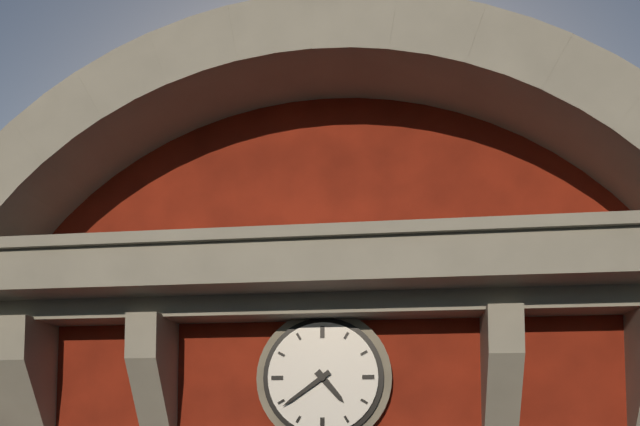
4 h 39 min
